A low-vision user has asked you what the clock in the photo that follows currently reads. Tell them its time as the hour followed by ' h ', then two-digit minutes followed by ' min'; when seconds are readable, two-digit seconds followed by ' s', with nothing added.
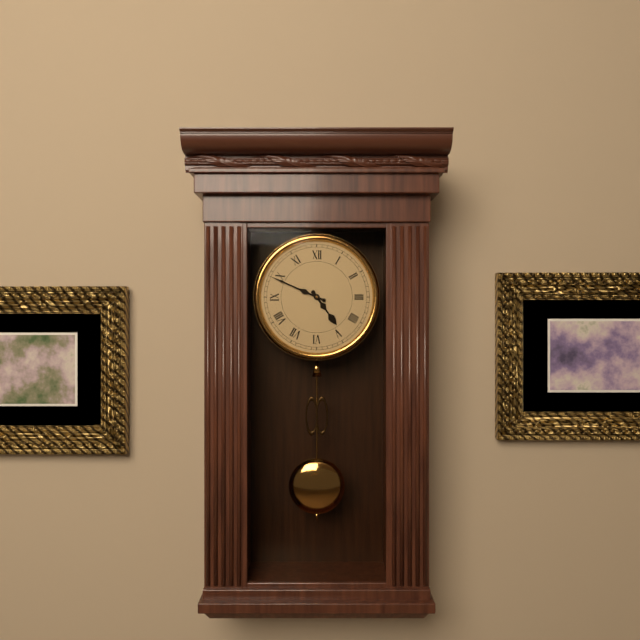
4 h 49 min
